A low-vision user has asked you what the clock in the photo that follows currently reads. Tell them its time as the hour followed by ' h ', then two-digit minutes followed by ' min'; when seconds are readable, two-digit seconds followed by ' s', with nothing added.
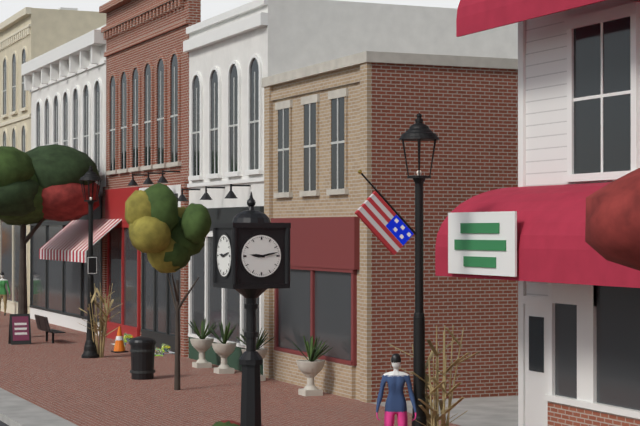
9 h 13 min
